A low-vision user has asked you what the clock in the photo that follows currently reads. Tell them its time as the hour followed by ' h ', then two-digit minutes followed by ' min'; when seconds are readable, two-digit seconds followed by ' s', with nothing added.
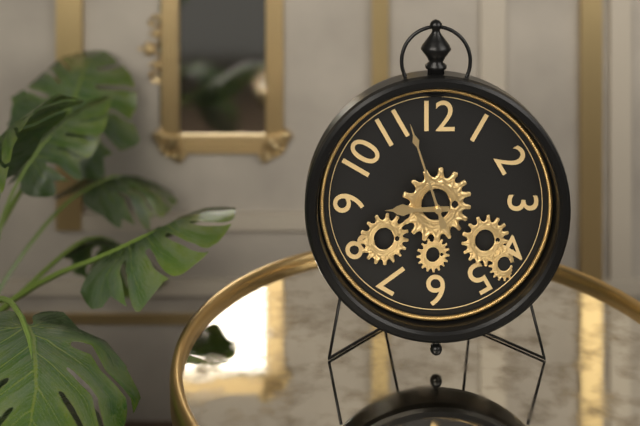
8 h 57 min
